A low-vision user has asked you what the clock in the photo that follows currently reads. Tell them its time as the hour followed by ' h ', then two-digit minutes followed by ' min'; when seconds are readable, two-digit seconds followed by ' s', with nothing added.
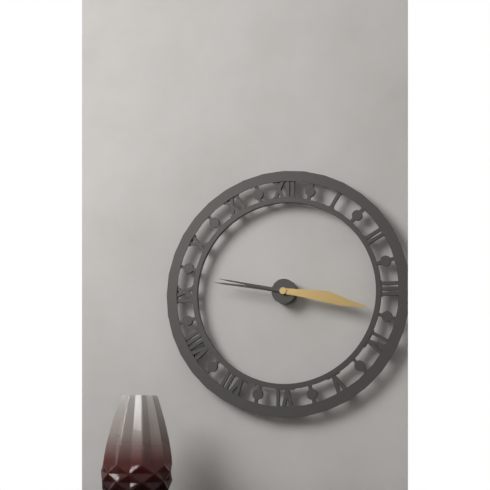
3 h 17 min
